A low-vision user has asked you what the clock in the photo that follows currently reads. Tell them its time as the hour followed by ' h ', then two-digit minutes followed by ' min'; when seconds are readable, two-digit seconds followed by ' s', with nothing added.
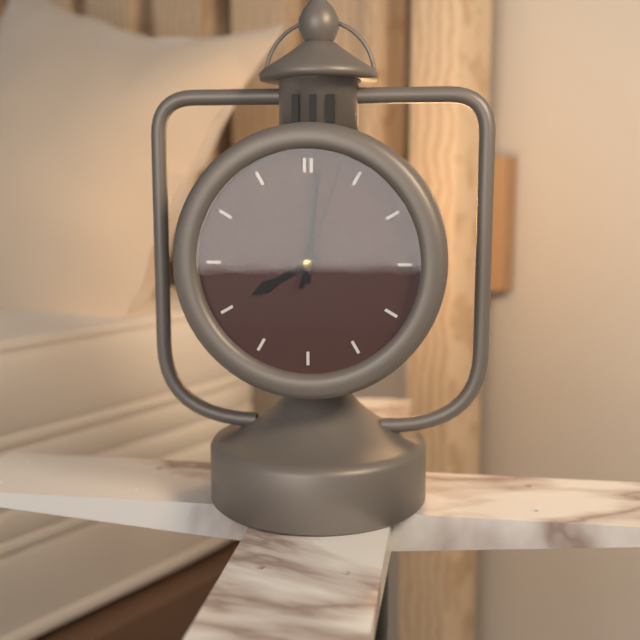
8 h 01 min 03 s
